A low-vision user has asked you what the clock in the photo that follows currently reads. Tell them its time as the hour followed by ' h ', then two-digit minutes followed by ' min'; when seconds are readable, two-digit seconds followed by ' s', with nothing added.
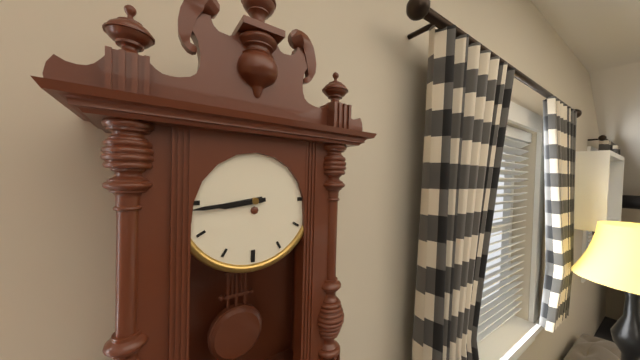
8 h 44 min
